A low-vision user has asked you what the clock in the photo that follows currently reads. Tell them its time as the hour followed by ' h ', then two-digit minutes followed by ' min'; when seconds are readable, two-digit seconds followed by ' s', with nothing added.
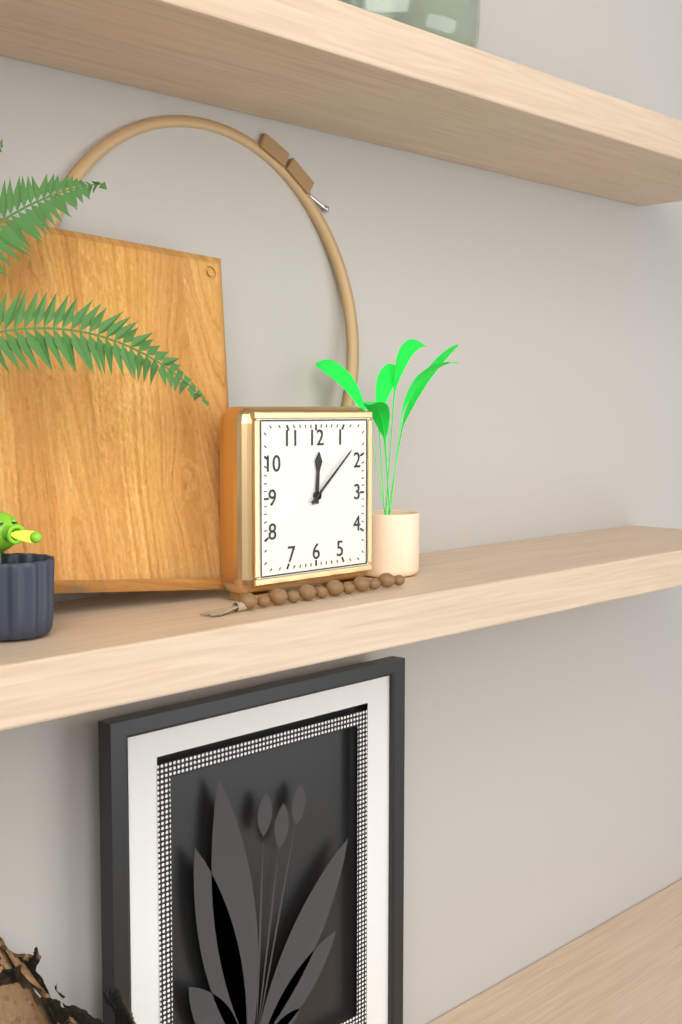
12 h 08 min
